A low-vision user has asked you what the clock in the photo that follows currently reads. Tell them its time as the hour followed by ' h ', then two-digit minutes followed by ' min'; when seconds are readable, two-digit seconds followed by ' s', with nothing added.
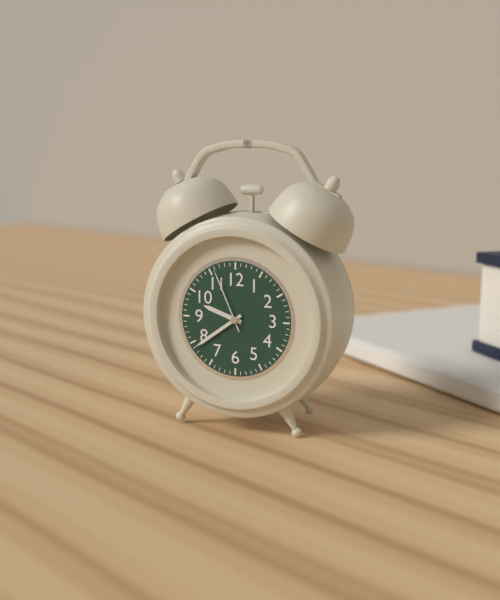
9 h 39 min 56 s
